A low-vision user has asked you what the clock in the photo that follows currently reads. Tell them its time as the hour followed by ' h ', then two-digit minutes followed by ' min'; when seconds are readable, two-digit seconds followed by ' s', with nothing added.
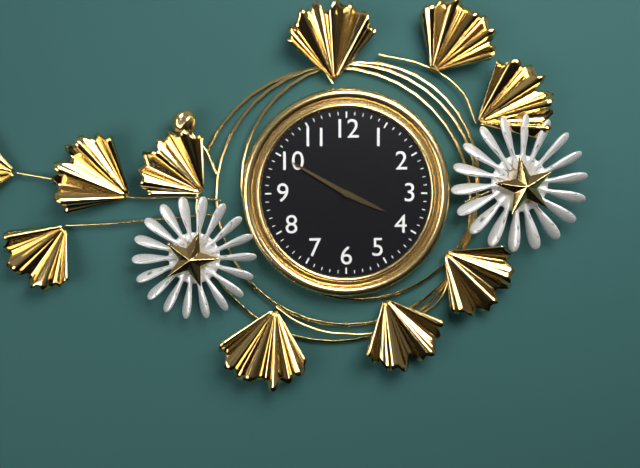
3 h 50 min
